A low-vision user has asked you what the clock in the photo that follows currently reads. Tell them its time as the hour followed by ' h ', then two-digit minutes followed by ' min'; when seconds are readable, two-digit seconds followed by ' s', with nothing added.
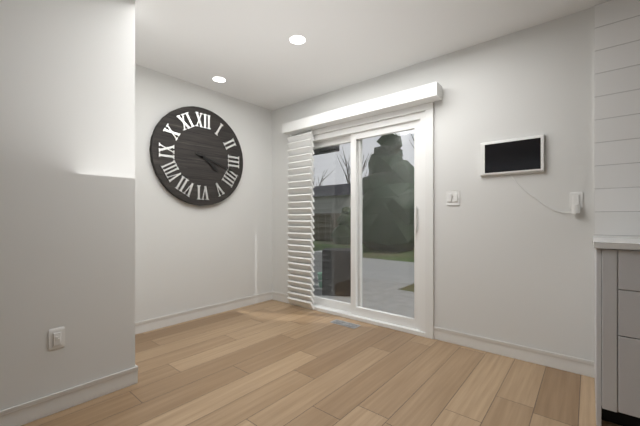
4 h 18 min
